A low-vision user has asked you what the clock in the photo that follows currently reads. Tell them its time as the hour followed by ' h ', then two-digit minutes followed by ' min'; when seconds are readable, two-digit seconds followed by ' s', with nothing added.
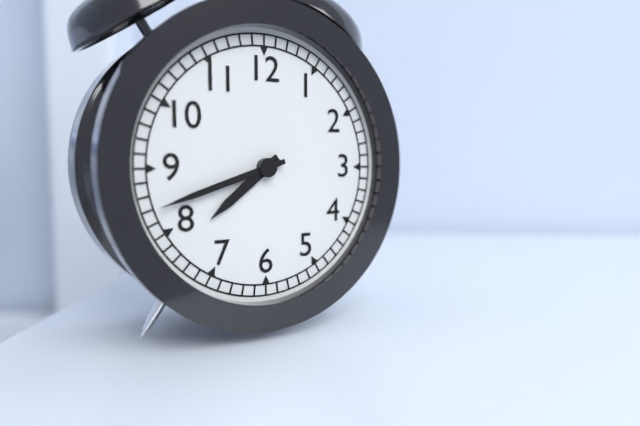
7 h 42 min
